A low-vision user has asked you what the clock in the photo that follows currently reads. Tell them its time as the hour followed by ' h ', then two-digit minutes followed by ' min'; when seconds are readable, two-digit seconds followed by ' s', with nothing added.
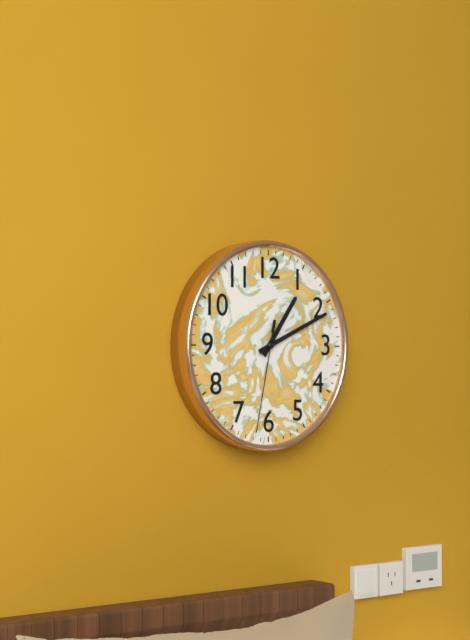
1 h 11 min 32 s
